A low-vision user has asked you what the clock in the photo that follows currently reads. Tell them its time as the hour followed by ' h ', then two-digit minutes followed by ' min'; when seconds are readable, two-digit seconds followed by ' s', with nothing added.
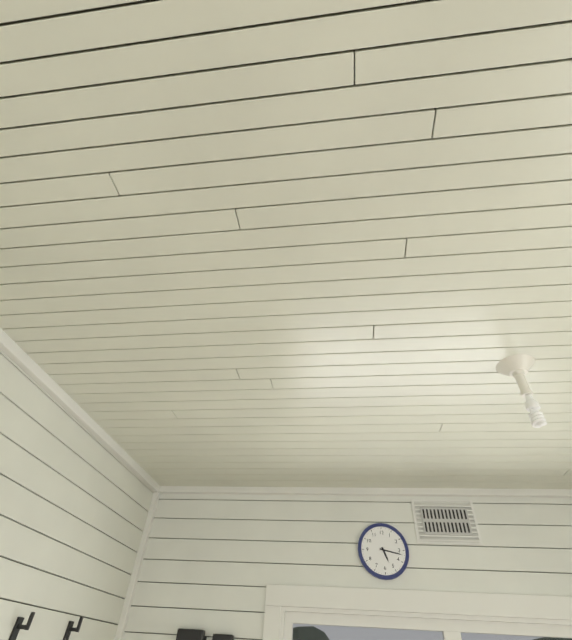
5 h 17 min
